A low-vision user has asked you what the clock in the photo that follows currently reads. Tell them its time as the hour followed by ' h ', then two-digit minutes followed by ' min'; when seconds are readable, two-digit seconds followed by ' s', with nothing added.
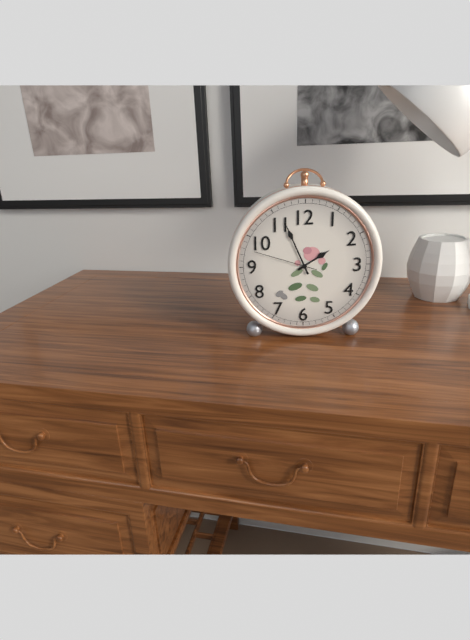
1 h 56 min 48 s
